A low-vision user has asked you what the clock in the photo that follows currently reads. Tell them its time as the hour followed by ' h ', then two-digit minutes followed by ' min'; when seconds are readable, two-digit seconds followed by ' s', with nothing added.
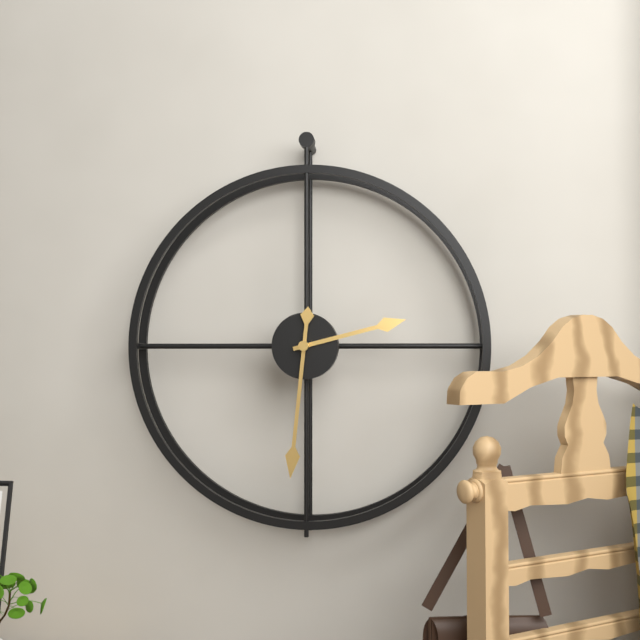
2 h 31 min
